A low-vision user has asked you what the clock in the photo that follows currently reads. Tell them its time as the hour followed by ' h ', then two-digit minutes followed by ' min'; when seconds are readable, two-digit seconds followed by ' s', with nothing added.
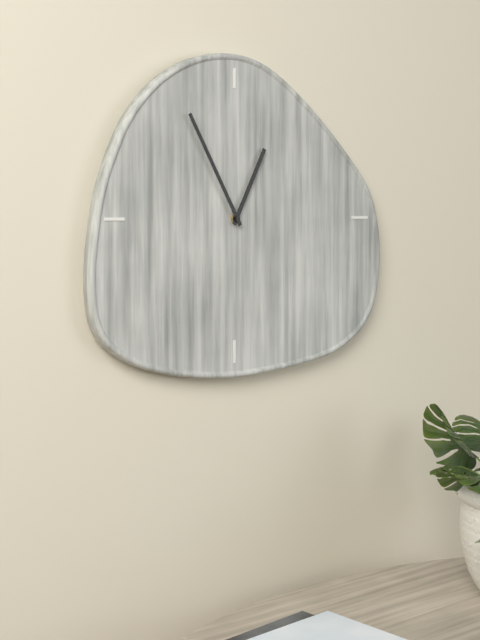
12 h 55 min
